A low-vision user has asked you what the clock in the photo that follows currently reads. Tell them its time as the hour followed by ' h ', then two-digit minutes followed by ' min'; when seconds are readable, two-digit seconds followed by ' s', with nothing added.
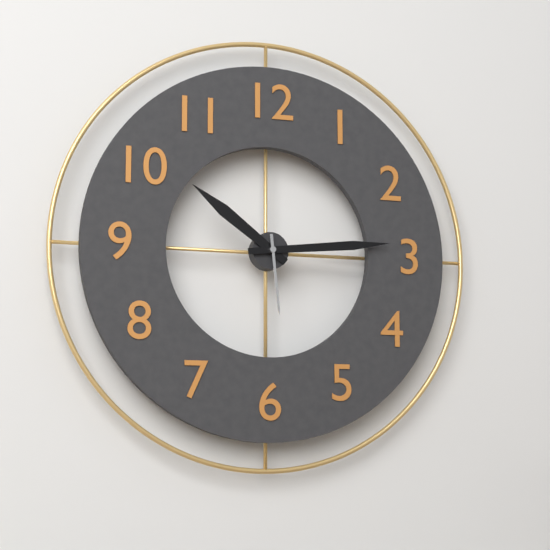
10 h 14 min 29 s
